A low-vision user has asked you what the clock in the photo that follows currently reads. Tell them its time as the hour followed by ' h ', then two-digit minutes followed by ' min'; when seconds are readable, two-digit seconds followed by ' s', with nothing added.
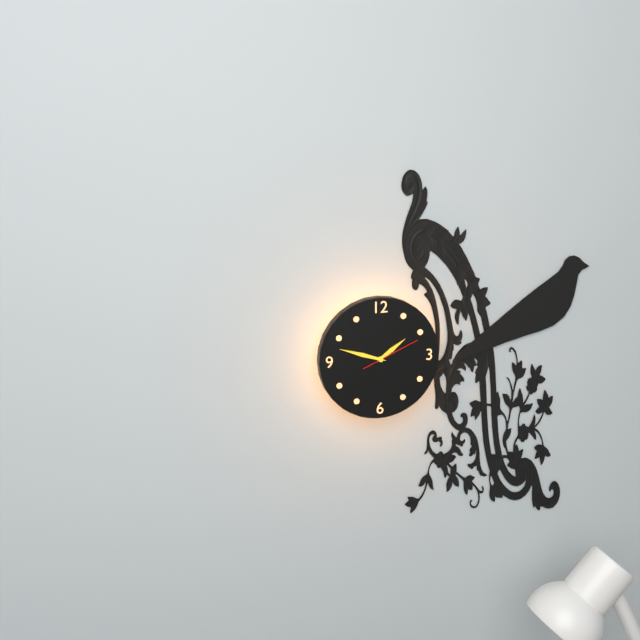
1 h 48 min 11 s
